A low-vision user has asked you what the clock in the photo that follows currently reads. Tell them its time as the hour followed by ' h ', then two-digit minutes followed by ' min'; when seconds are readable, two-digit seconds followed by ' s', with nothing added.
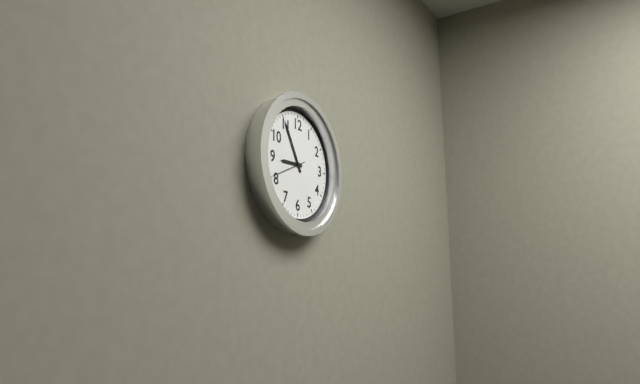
8 h 55 min
